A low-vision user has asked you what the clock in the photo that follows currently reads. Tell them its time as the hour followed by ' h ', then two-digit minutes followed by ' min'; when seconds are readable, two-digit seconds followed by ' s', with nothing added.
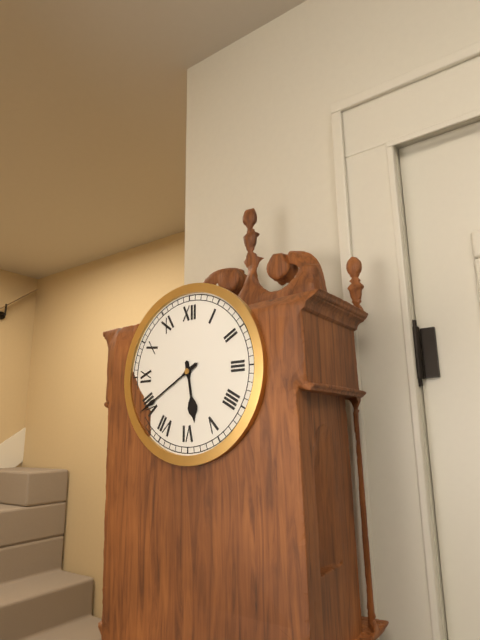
5 h 40 min
